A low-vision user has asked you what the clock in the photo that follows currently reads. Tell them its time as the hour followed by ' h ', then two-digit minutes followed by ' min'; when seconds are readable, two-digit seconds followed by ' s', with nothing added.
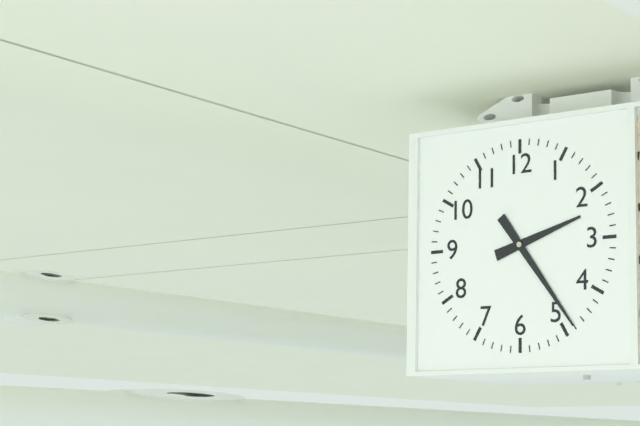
2 h 24 min
